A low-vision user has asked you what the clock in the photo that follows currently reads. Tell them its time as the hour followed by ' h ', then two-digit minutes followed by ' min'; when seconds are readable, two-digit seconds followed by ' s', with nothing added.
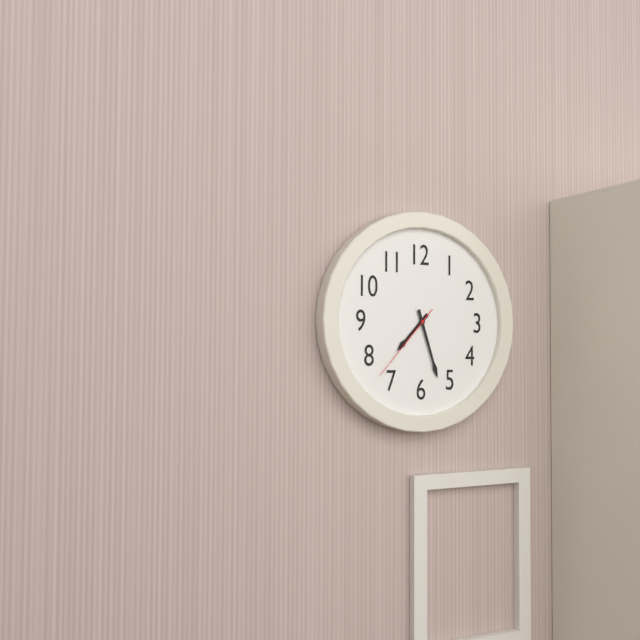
7 h 27 min 37 s
